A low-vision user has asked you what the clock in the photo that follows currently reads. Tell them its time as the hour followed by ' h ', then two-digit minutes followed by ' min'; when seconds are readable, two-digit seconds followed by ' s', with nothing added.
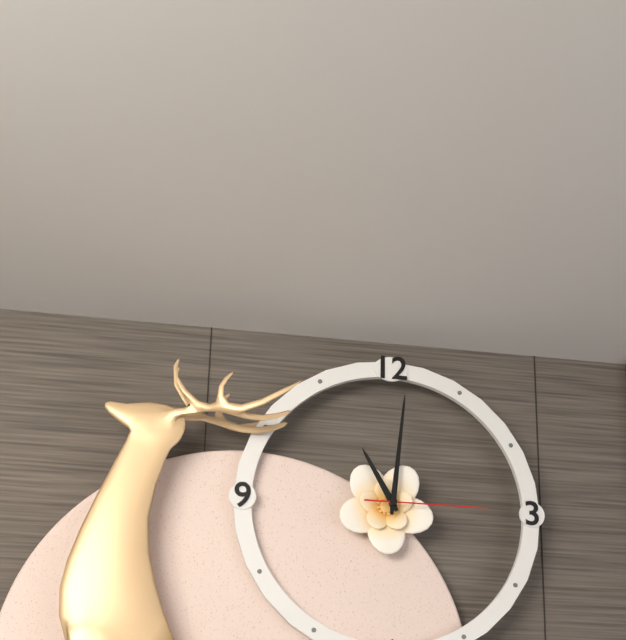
11 h 01 min 15 s
